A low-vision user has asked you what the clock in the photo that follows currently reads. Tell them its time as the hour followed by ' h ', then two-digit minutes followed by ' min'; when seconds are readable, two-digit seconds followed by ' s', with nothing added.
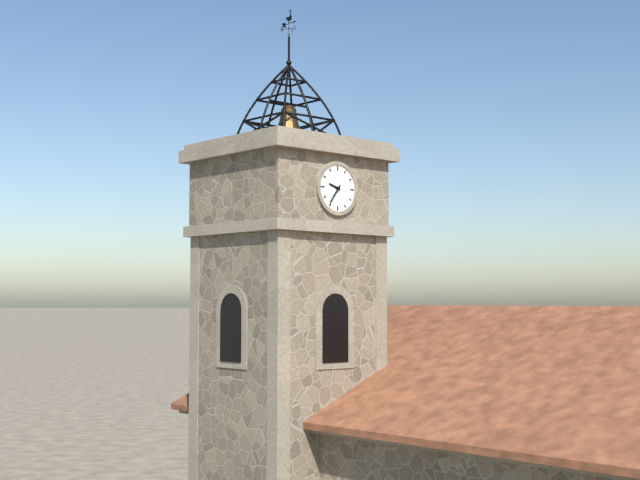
9 h 36 min
